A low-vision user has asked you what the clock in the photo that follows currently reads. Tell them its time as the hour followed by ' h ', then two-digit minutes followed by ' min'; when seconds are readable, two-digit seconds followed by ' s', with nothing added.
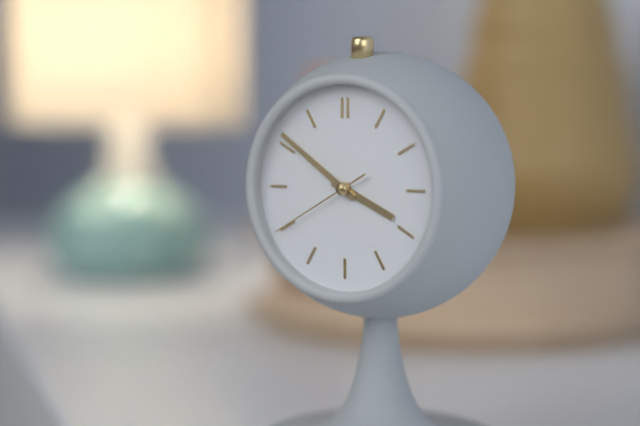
3 h 51 min 40 s
